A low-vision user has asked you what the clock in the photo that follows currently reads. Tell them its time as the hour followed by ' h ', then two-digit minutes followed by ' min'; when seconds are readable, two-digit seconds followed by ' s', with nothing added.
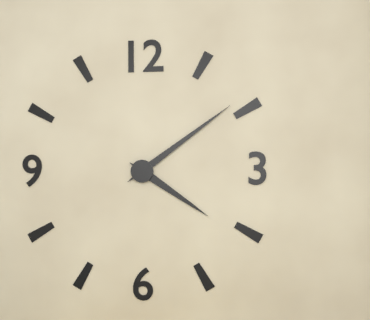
4 h 09 min
